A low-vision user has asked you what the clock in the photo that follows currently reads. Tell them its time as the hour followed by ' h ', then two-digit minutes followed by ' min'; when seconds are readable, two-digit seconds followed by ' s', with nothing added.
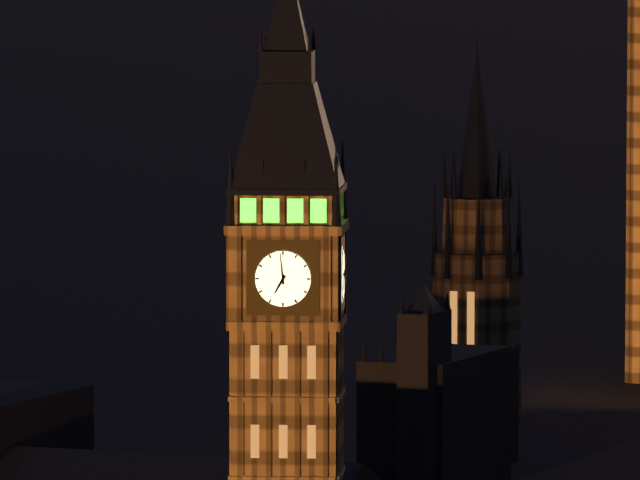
6 h 59 min
